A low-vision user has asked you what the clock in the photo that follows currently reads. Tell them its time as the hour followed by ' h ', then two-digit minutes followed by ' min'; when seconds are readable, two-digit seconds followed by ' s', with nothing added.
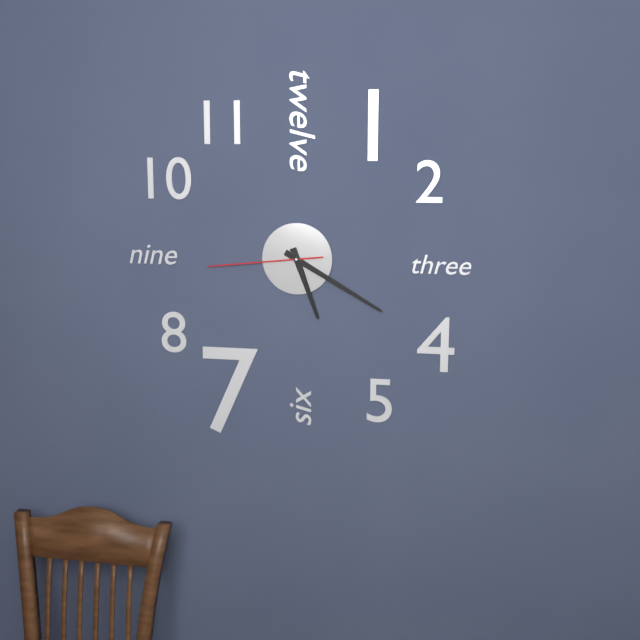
5 h 20 min 44 s
